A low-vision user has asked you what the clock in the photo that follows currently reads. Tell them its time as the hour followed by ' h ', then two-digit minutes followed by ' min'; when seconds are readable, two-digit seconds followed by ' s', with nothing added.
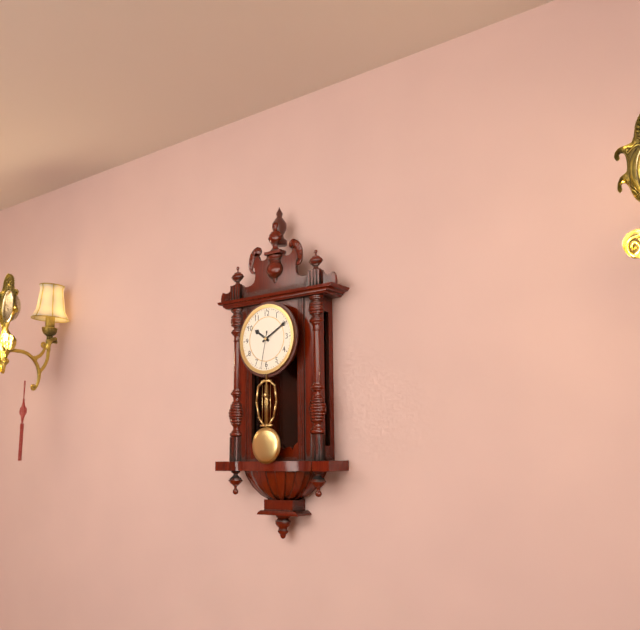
10 h 10 min
